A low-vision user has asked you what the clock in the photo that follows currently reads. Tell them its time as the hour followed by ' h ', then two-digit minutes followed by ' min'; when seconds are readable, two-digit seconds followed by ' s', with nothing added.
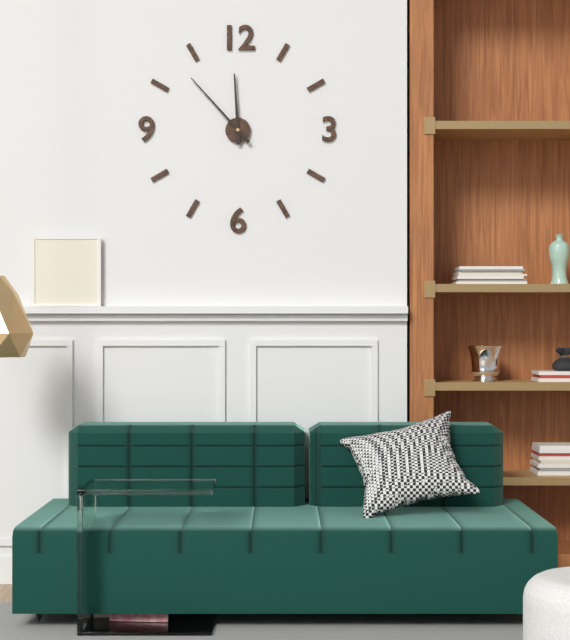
11 h 53 min
